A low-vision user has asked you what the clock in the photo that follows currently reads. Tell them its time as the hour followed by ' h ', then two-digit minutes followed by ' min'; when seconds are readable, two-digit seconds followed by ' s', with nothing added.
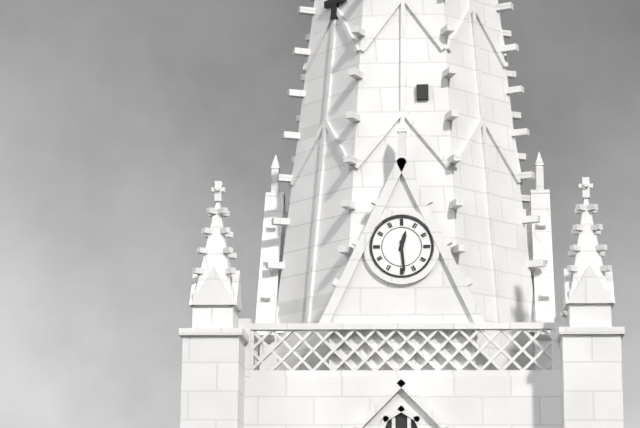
12 h 29 min
